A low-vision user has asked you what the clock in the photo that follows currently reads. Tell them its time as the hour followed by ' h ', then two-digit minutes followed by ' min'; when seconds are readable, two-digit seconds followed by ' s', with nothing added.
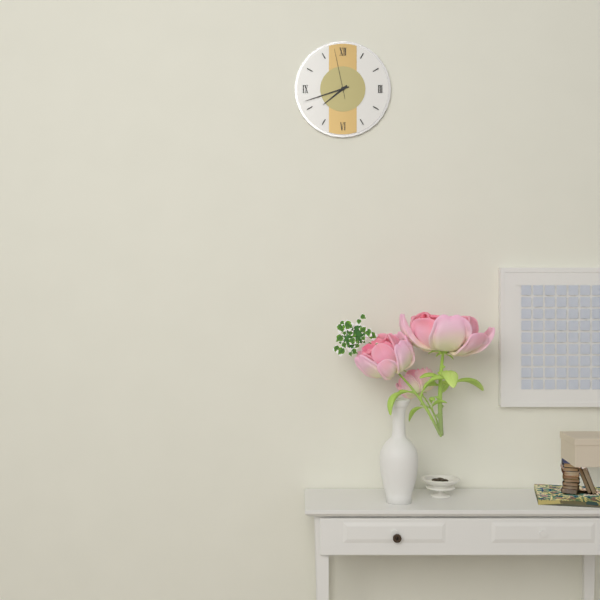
7 h 42 min 58 s
